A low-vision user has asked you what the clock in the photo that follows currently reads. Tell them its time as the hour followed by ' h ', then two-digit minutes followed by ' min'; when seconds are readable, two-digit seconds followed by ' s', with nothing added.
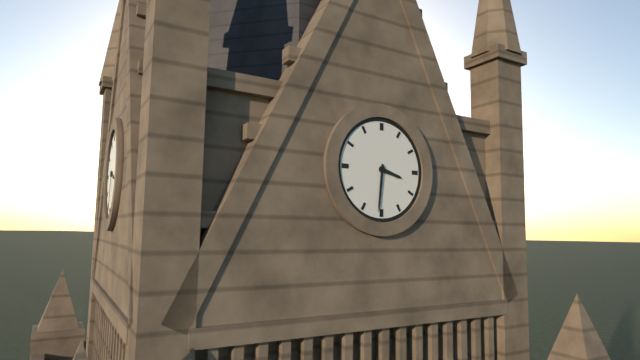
3 h 31 min
